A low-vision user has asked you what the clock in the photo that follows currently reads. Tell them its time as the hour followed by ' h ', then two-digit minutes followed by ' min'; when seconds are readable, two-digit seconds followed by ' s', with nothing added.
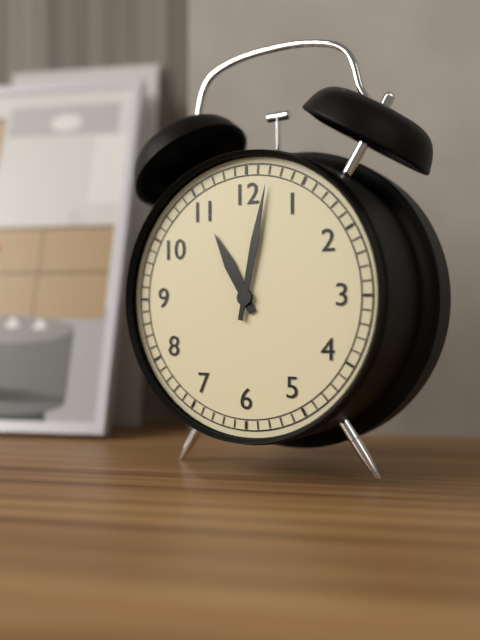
11 h 02 min
